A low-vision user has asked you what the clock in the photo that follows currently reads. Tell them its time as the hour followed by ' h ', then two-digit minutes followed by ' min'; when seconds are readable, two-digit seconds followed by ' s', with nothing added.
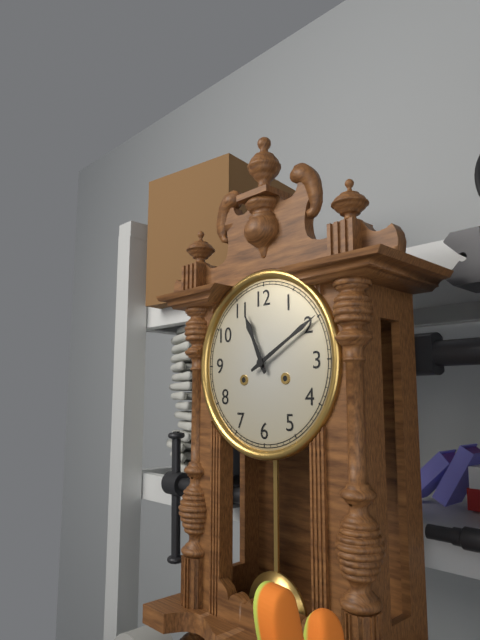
11 h 10 min
